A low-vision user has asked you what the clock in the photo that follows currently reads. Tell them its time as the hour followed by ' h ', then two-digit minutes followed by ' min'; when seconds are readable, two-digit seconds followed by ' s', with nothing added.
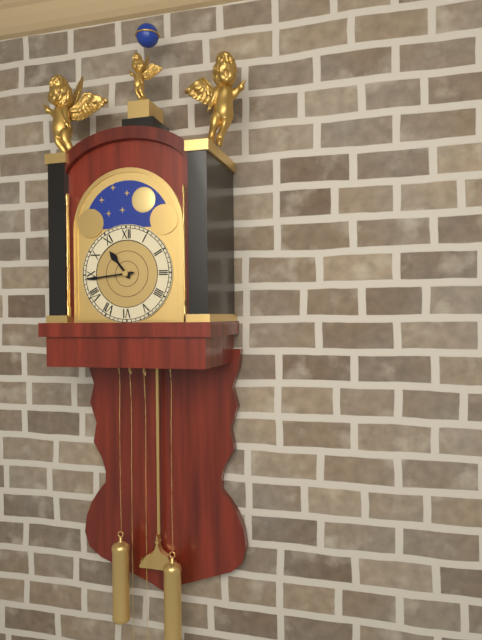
10 h 44 min
